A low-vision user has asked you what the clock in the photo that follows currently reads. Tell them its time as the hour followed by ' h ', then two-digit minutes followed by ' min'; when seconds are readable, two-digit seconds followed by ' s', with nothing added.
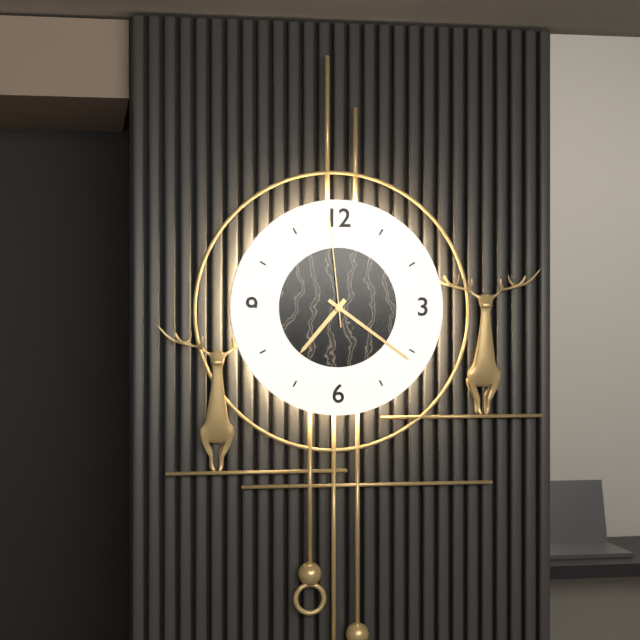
7 h 21 min 59 s
